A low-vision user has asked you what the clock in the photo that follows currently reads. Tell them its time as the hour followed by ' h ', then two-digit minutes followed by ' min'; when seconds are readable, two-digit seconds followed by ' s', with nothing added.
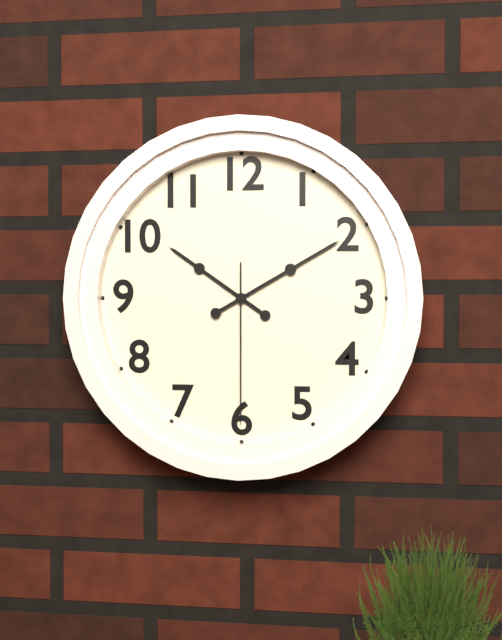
10 h 10 min 30 s
